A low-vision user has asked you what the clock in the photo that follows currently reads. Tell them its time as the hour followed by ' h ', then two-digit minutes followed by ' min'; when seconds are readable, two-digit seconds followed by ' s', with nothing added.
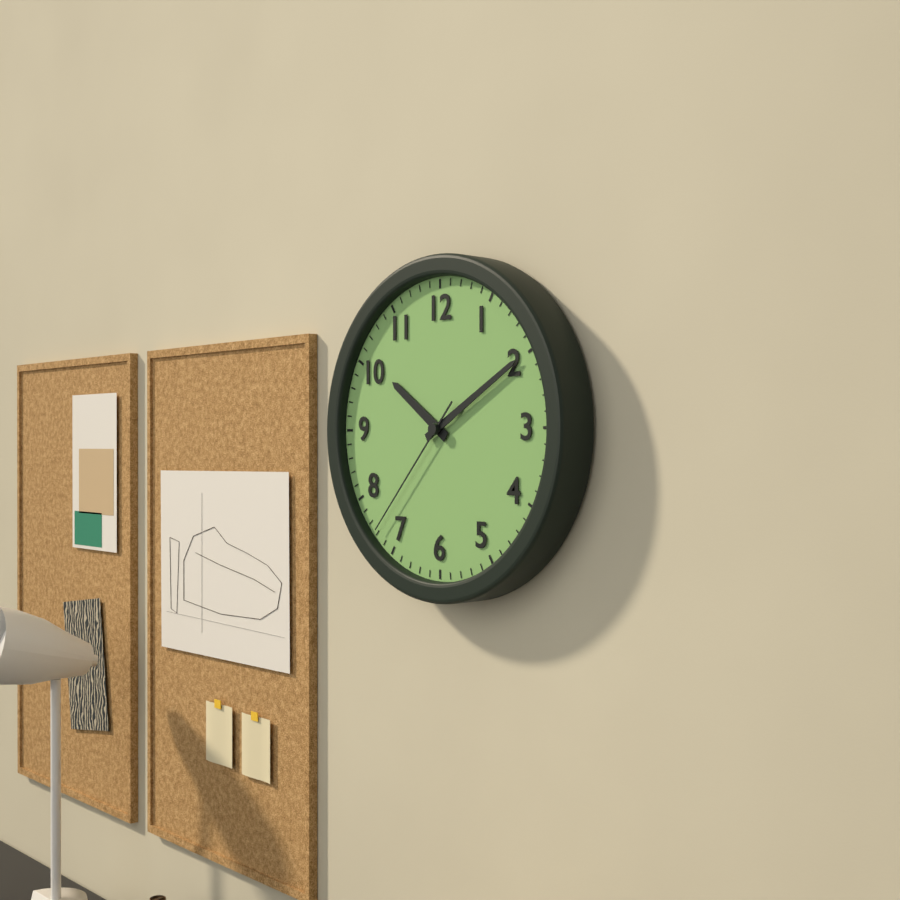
10 h 10 min 37 s
